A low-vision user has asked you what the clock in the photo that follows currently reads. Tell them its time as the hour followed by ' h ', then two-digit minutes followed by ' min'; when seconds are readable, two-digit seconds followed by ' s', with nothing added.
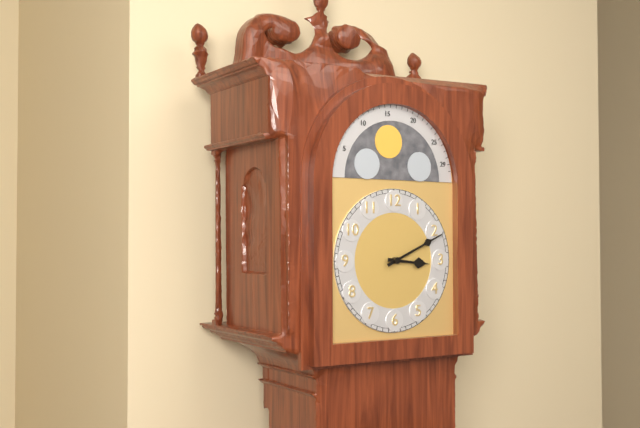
3 h 11 min
